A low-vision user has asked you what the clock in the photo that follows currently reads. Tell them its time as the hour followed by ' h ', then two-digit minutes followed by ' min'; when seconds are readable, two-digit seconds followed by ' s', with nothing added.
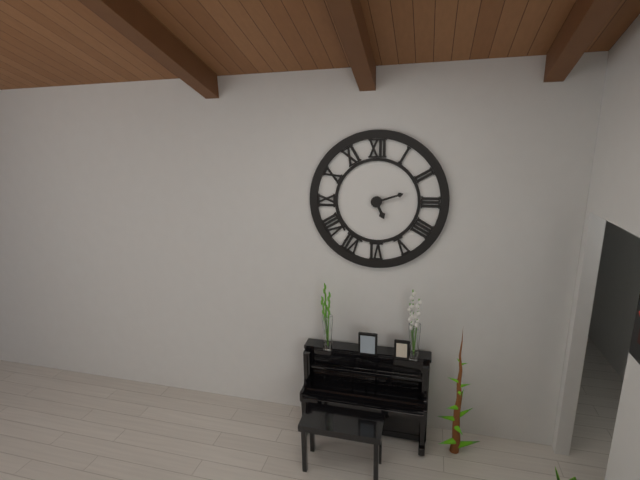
5 h 12 min
